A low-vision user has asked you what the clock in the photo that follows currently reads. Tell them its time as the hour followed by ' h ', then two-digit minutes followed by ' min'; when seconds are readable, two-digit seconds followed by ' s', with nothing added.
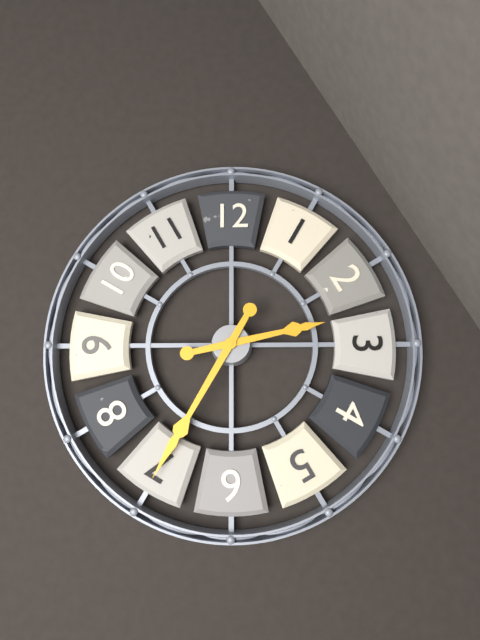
2 h 35 min
